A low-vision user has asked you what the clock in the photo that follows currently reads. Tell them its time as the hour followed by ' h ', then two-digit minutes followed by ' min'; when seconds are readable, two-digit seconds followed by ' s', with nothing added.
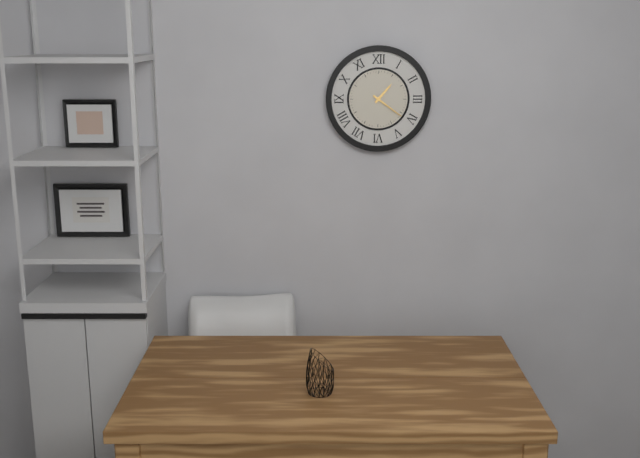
1 h 21 min
